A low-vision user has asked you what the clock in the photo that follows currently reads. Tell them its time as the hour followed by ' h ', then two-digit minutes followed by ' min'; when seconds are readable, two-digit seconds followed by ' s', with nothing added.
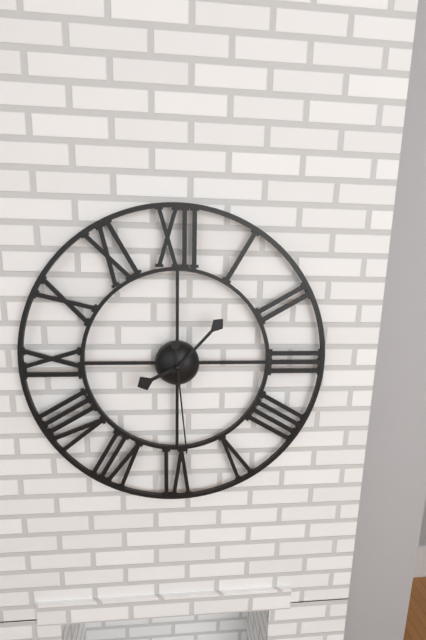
8 h 07 min 29 s
